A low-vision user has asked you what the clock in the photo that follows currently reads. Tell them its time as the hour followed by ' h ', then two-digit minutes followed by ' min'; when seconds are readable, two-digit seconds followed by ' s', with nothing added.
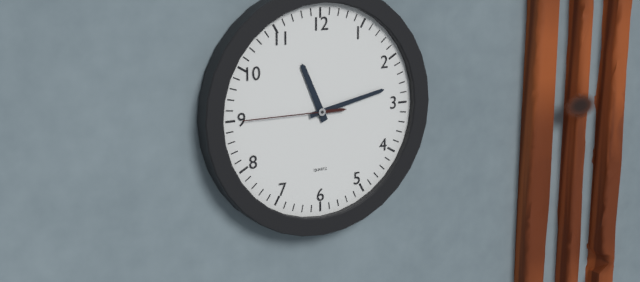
11 h 13 min 45 s
